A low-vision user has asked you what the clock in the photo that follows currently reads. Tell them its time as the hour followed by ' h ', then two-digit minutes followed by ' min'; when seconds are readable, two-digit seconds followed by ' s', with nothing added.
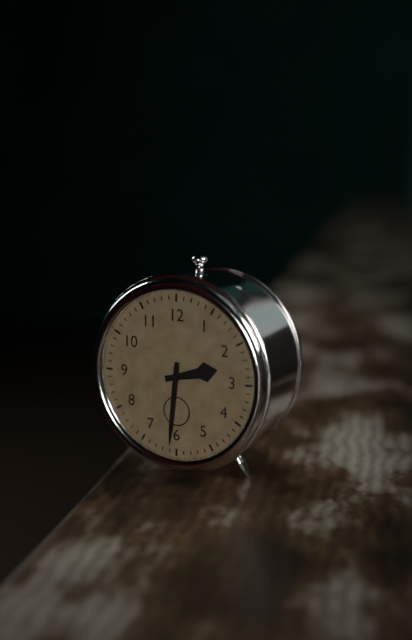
2 h 31 min
